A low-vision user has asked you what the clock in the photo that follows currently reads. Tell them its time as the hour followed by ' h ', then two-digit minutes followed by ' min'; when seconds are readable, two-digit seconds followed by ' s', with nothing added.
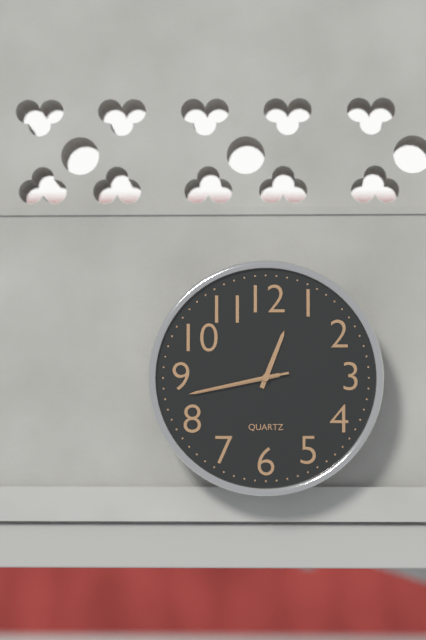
12 h 43 min 43 s
